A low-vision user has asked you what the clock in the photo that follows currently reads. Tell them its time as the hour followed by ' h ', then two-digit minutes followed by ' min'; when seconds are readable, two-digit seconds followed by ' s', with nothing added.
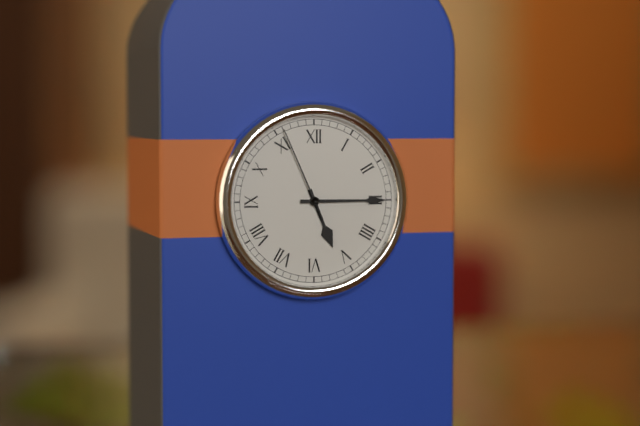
5 h 15 min 56 s
